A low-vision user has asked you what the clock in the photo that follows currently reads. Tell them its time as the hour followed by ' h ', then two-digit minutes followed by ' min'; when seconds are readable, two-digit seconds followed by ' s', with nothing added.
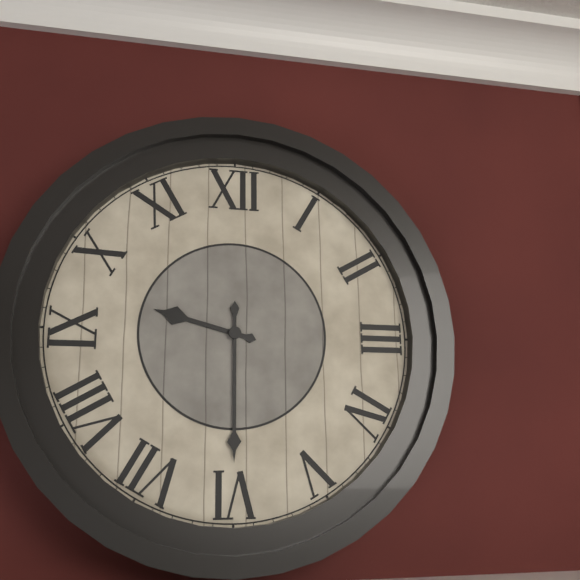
9 h 30 min
